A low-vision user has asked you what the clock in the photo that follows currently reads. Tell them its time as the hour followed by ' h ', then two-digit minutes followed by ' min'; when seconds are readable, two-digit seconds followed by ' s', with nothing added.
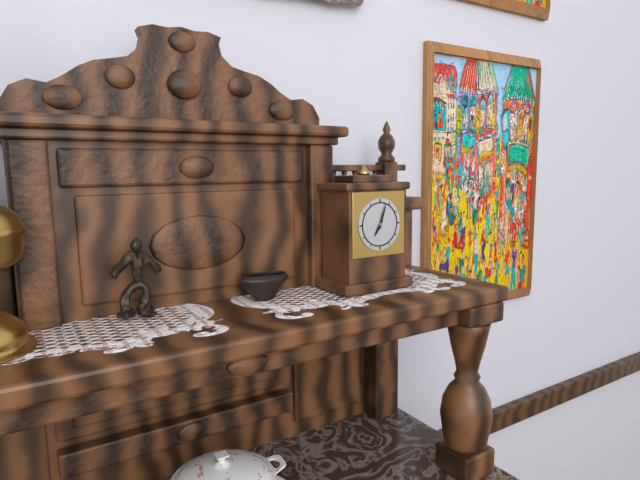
7 h 03 min
